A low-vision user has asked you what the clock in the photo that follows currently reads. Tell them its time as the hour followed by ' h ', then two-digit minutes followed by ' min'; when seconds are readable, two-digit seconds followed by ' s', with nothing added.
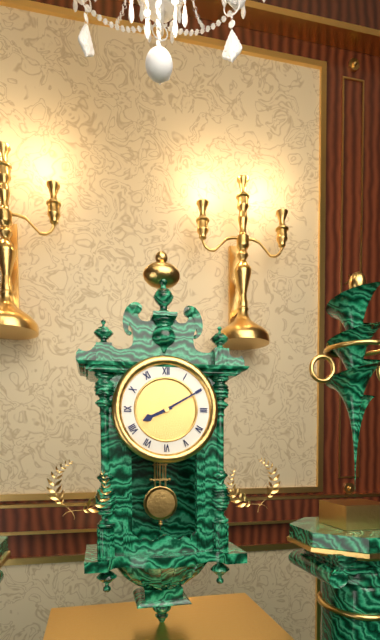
8 h 10 min
